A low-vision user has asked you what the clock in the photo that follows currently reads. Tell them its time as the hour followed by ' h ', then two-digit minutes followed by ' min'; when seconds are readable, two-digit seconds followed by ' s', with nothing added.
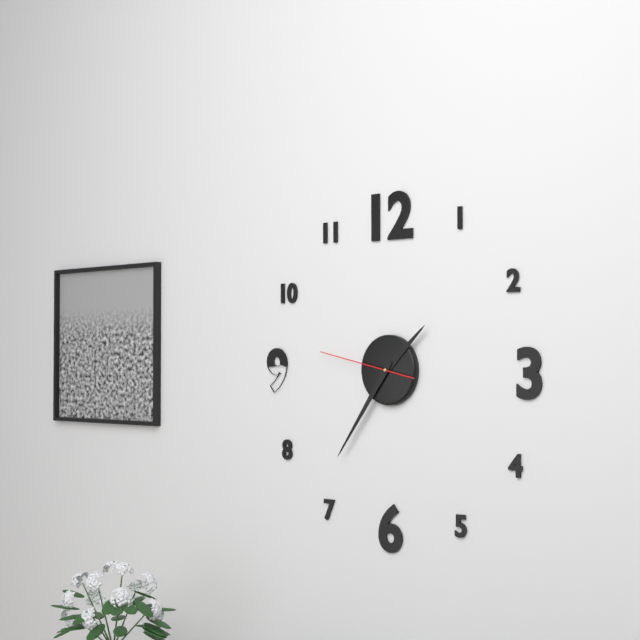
1 h 36 min 47 s
